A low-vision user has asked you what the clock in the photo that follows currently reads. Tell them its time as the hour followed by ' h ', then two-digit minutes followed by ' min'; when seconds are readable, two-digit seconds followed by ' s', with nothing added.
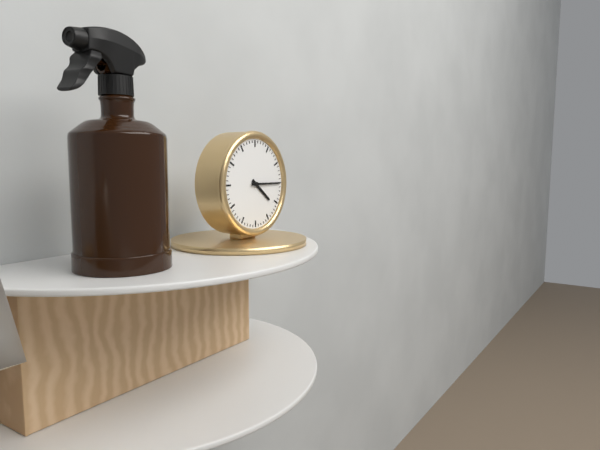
4 h 15 min
